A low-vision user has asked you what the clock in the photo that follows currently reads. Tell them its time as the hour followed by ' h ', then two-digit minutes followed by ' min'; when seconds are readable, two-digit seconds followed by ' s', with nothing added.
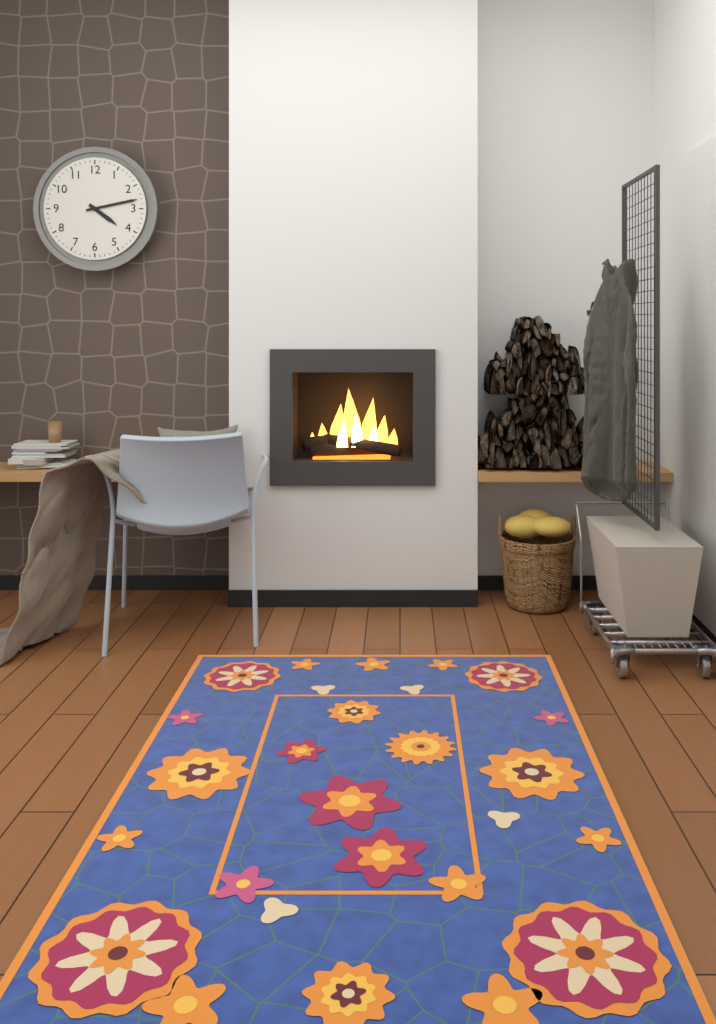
4 h 13 min
